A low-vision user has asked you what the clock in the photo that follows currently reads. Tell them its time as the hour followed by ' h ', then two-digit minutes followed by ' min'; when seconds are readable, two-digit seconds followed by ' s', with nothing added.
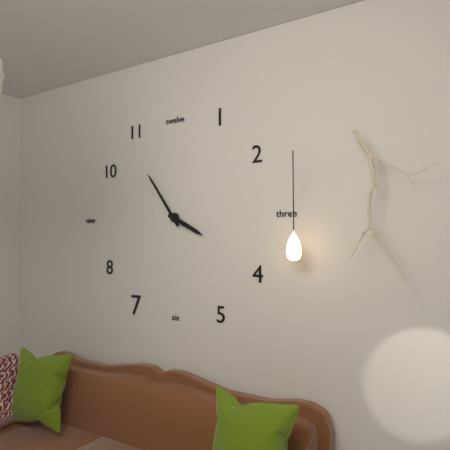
3 h 54 min
